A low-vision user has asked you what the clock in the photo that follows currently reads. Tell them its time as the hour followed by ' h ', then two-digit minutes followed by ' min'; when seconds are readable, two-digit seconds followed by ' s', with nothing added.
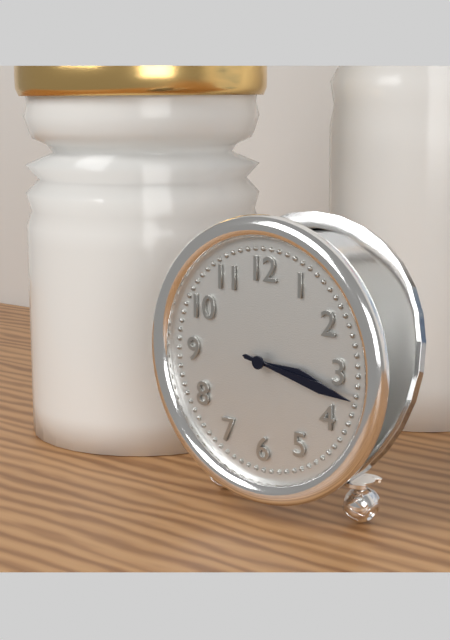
3 h 17 min
